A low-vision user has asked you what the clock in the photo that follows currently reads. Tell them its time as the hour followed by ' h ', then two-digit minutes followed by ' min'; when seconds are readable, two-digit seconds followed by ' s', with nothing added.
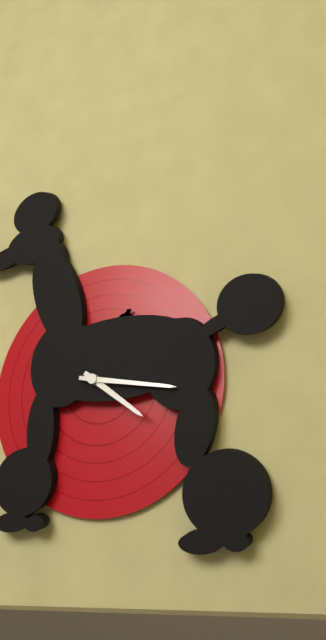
4 h 17 min
